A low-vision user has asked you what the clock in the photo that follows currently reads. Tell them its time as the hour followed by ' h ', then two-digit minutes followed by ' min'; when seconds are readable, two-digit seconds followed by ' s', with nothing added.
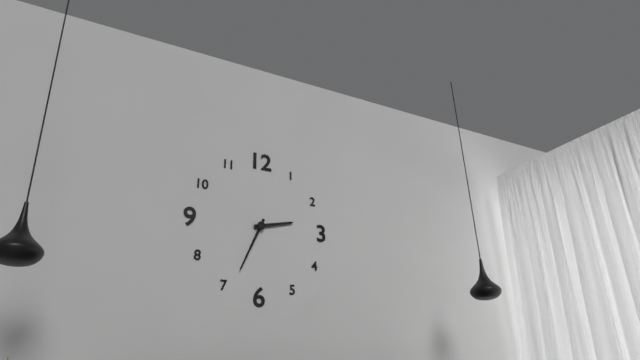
2 h 34 min
